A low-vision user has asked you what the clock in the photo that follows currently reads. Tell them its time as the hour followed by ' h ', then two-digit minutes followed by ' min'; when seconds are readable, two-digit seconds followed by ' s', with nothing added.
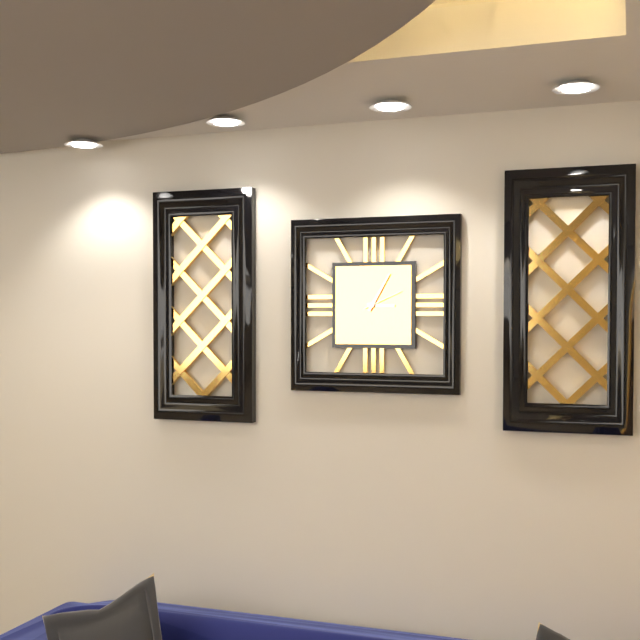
3 h 05 min
